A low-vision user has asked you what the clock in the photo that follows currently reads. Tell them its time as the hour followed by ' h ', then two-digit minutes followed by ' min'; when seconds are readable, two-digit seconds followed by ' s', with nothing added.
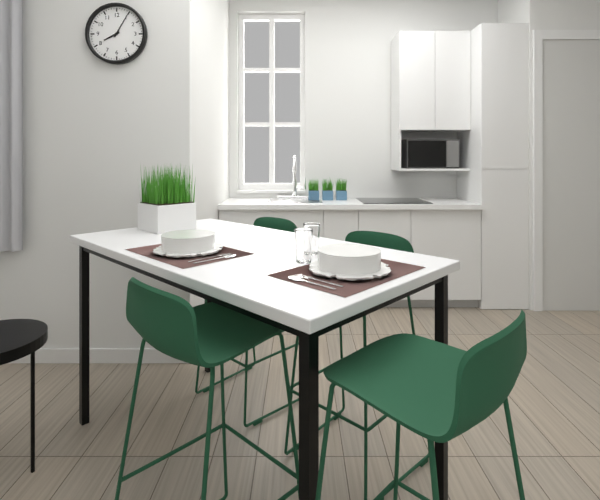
8 h 05 min
